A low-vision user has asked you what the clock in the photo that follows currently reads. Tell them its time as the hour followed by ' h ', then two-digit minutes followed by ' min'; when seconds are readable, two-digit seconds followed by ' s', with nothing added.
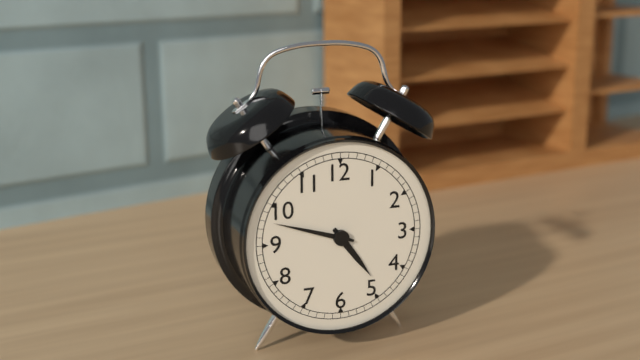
4 h 48 min
